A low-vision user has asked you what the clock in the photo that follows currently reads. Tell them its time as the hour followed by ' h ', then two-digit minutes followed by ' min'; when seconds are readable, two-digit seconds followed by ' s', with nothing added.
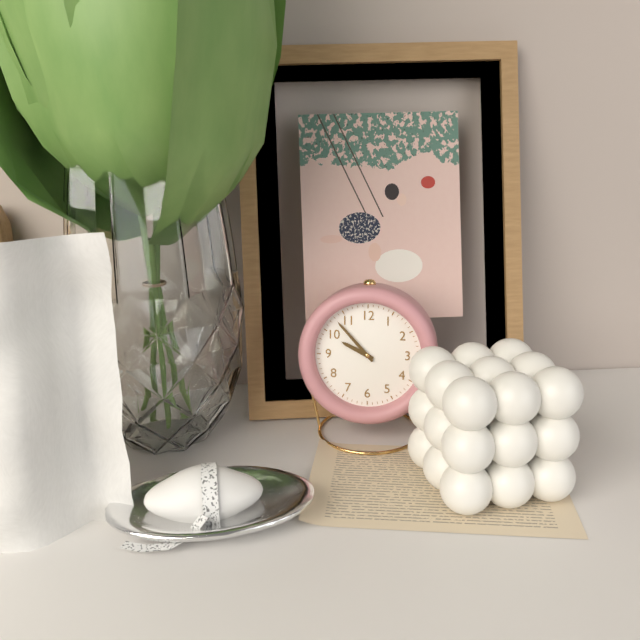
9 h 53 min
